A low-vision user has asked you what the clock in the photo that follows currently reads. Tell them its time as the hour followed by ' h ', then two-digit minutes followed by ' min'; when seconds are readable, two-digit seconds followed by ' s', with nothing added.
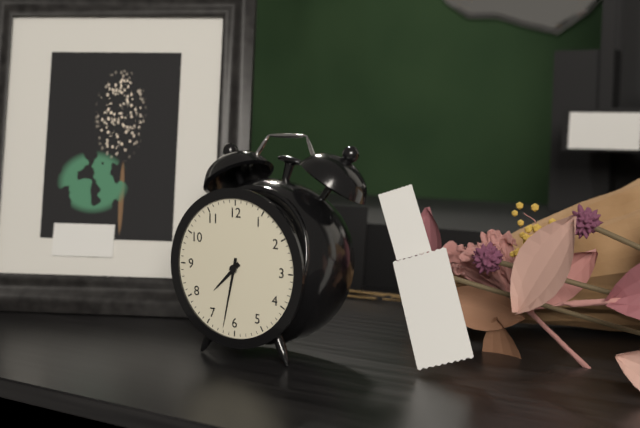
7 h 32 min
